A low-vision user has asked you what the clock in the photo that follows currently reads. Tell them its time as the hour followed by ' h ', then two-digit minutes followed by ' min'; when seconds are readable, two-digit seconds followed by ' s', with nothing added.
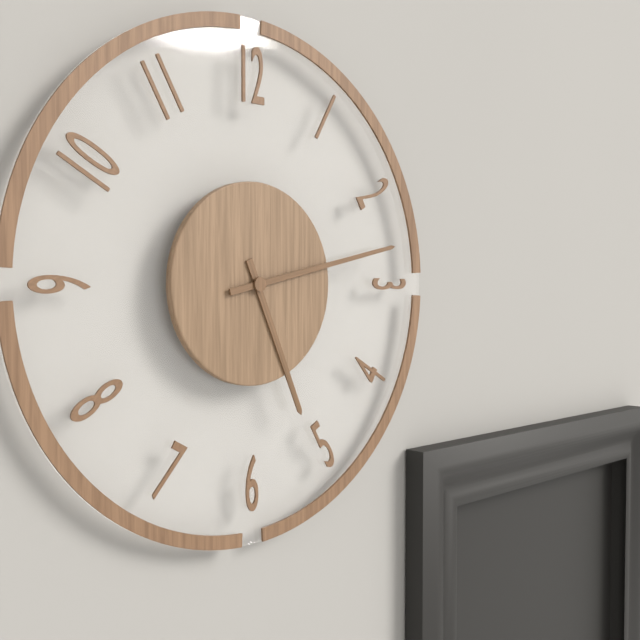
5 h 13 min
